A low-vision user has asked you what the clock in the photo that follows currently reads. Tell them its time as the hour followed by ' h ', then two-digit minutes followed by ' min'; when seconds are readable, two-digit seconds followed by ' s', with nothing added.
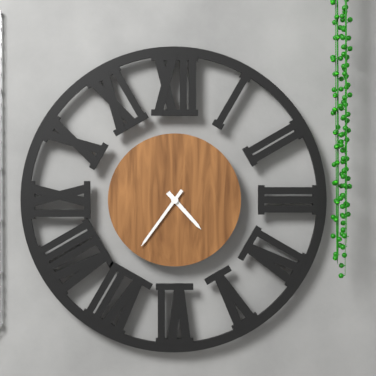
4 h 36 min
